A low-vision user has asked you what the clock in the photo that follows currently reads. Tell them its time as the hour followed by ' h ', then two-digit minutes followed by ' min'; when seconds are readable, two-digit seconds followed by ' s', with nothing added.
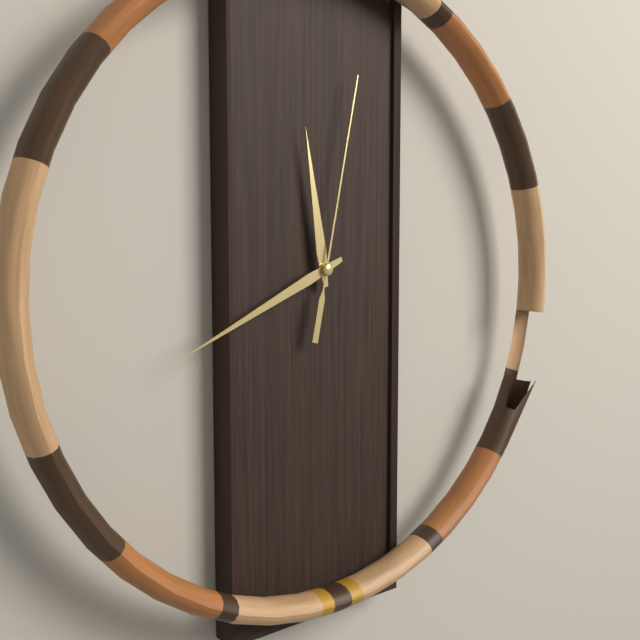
11 h 41 min 02 s
